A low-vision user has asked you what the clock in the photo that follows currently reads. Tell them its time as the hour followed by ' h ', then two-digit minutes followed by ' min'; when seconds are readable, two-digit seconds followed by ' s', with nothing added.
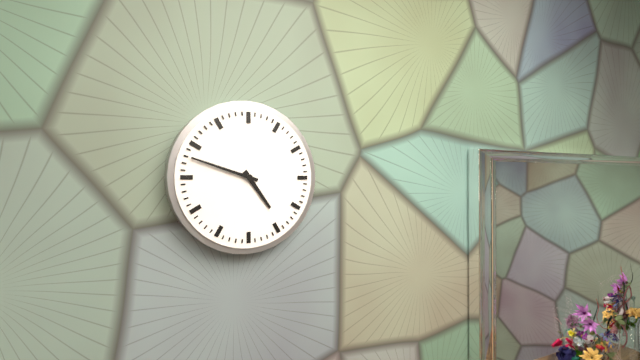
4 h 48 min
